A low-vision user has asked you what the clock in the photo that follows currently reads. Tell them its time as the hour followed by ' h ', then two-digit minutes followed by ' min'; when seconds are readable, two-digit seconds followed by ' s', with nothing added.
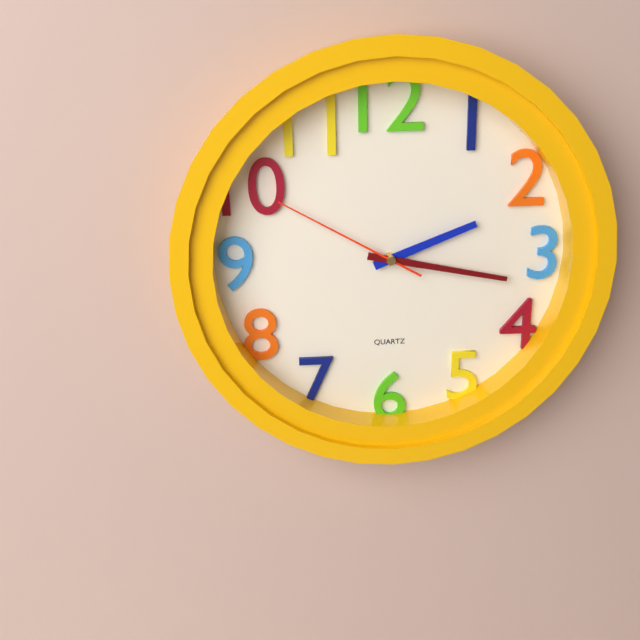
2 h 17 min 50 s
